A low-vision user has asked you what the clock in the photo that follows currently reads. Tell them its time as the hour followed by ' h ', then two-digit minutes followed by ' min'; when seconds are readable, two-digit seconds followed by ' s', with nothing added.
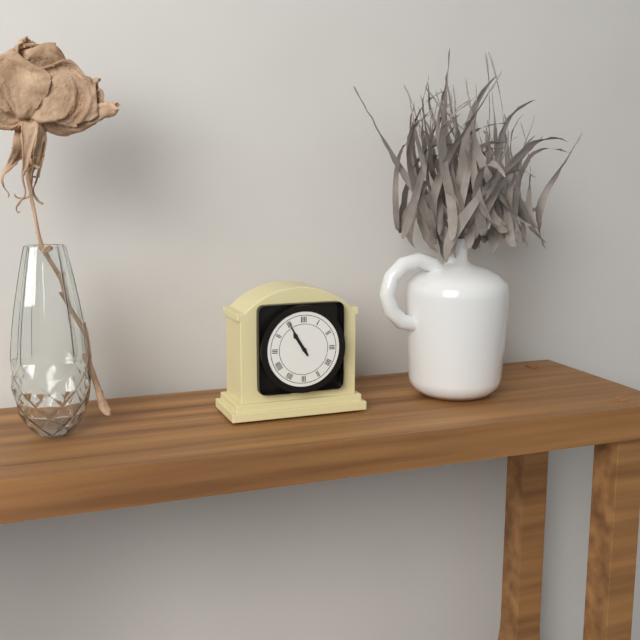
10 h 55 min
